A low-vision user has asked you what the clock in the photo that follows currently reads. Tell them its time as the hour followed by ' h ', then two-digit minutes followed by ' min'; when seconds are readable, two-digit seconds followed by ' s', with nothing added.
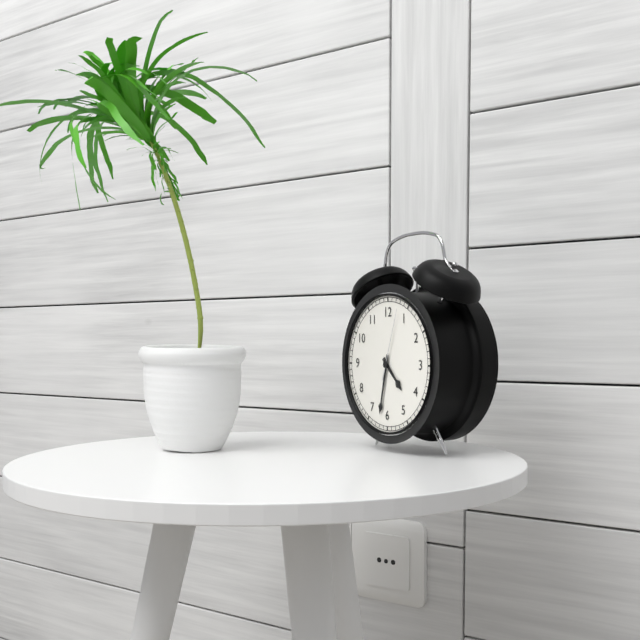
4 h 32 min 03 s
